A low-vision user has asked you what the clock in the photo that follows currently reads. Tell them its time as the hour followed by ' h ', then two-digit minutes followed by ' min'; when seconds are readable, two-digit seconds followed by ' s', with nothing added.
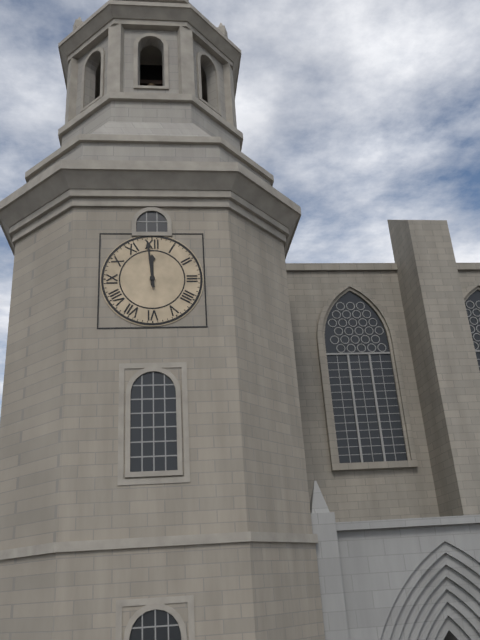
11 h 59 min
